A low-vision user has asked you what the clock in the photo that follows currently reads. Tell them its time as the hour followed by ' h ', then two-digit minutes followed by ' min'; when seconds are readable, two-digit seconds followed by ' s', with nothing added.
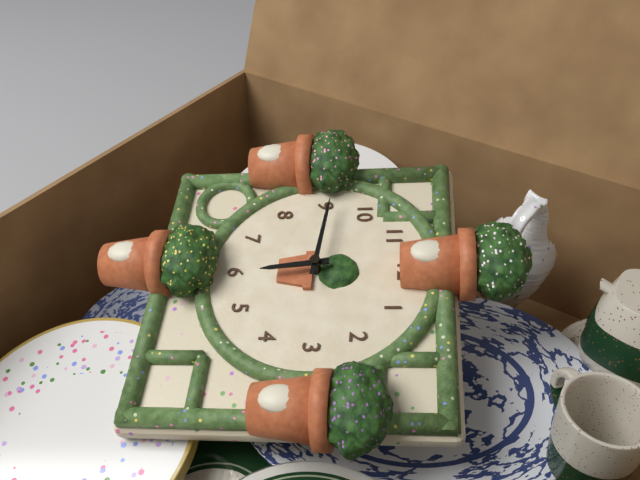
5 h 46 min
